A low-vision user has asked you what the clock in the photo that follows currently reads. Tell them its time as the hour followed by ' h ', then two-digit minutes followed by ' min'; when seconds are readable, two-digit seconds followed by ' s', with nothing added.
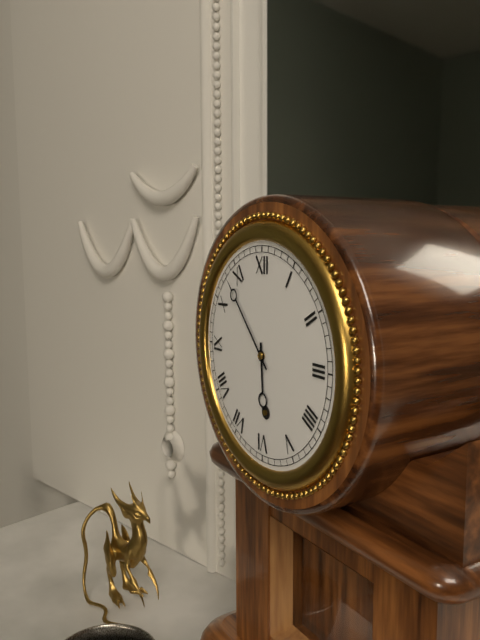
5 h 53 min
